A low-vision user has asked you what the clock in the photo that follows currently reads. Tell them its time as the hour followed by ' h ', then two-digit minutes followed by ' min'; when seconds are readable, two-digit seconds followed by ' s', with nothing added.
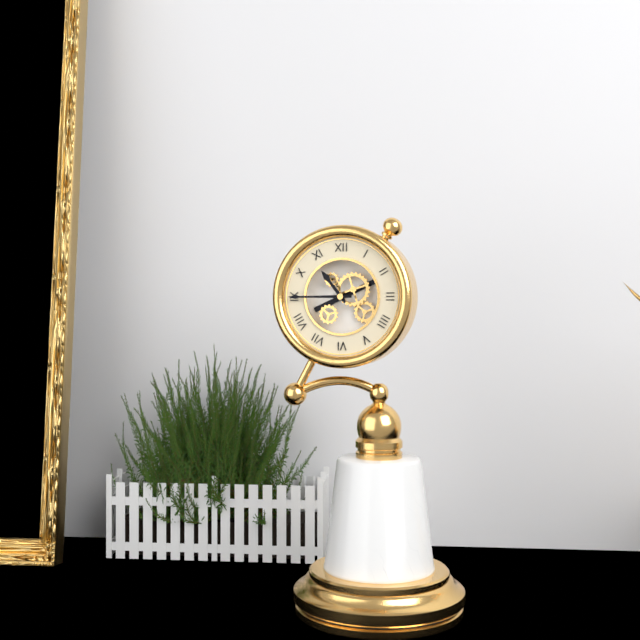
10 h 45 min
